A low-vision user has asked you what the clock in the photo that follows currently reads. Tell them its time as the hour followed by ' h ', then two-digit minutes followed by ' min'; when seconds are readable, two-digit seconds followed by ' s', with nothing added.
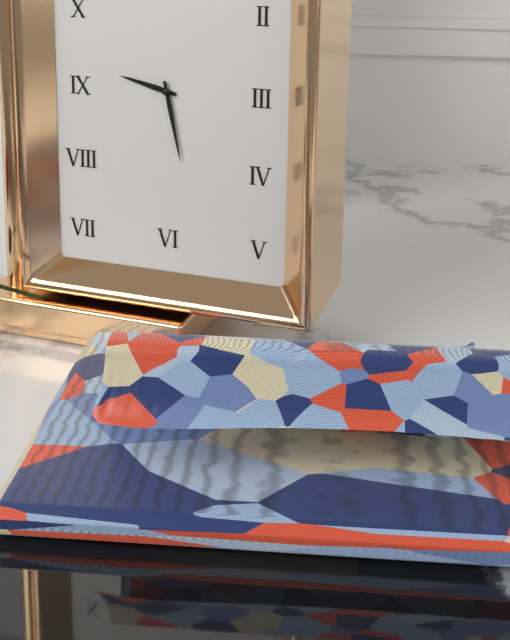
9 h 28 min
